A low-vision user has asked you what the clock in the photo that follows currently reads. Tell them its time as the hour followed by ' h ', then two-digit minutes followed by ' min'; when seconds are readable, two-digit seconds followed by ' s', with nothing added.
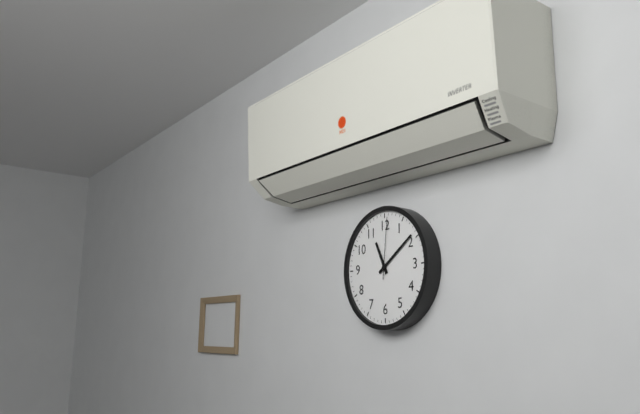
11 h 09 min 01 s
